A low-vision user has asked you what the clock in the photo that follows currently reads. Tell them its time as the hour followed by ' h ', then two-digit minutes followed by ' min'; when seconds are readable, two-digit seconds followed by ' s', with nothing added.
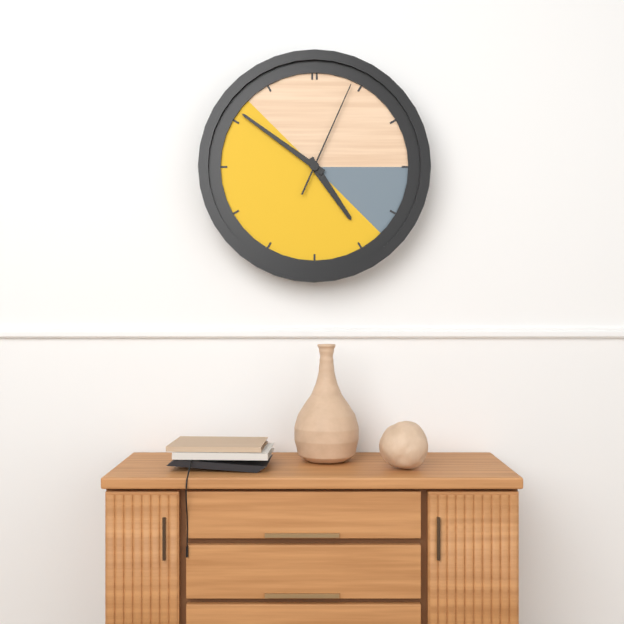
4 h 51 min 04 s
